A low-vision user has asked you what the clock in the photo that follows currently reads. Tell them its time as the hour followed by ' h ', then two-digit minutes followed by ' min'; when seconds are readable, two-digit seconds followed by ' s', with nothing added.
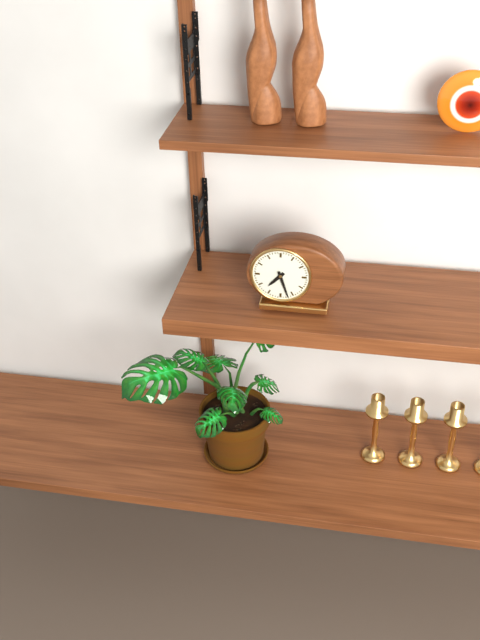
7 h 27 min
